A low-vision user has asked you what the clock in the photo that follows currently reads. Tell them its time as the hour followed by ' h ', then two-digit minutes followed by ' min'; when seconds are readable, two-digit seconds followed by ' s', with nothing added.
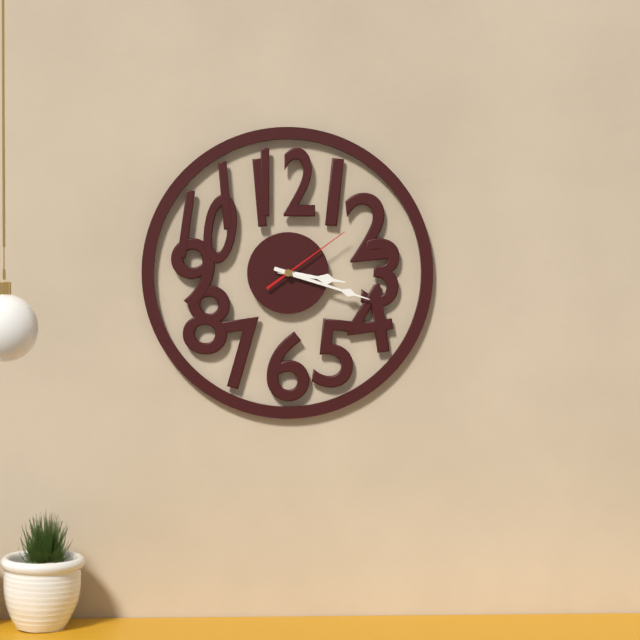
3 h 18 min 09 s
